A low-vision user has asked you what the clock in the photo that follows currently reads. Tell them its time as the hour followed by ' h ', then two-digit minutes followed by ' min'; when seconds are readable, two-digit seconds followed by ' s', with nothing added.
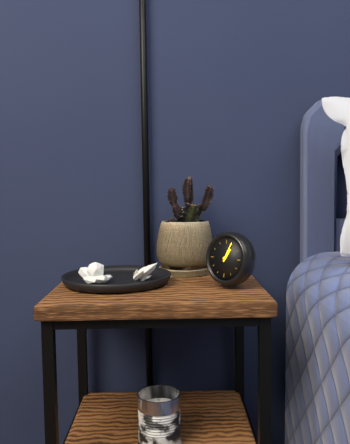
1 h 04 min
